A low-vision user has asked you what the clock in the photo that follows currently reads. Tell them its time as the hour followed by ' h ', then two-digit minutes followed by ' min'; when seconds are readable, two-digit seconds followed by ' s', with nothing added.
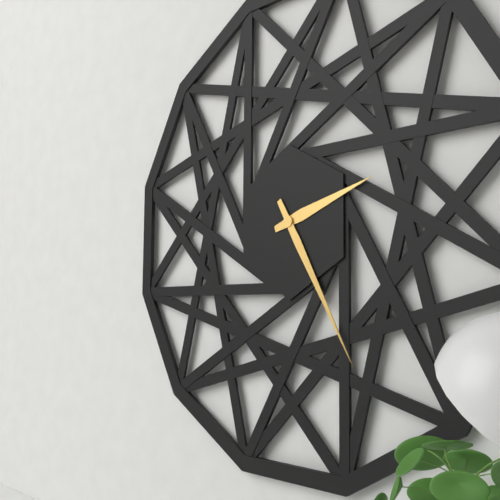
2 h 25 min
